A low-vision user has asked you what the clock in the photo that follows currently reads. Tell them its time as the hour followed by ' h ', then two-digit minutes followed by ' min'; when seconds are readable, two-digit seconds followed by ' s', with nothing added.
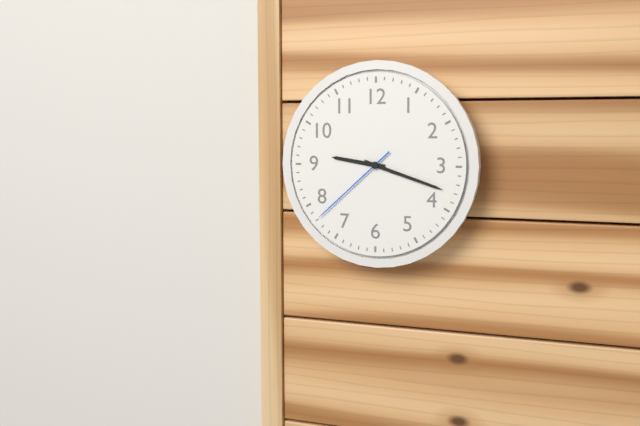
9 h 18 min 38 s
